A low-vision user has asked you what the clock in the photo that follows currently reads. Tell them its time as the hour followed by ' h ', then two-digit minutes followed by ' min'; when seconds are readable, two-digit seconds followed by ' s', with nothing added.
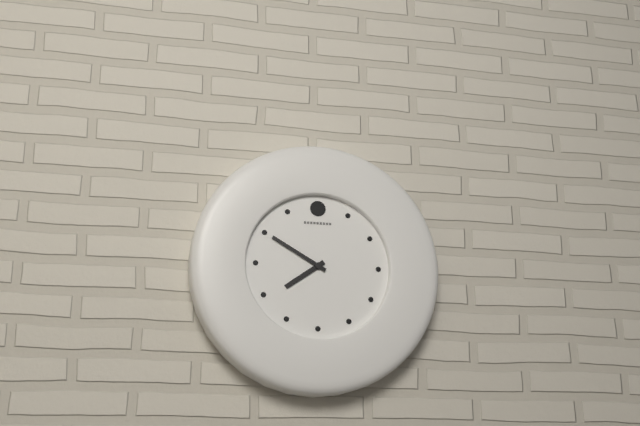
7 h 50 min
